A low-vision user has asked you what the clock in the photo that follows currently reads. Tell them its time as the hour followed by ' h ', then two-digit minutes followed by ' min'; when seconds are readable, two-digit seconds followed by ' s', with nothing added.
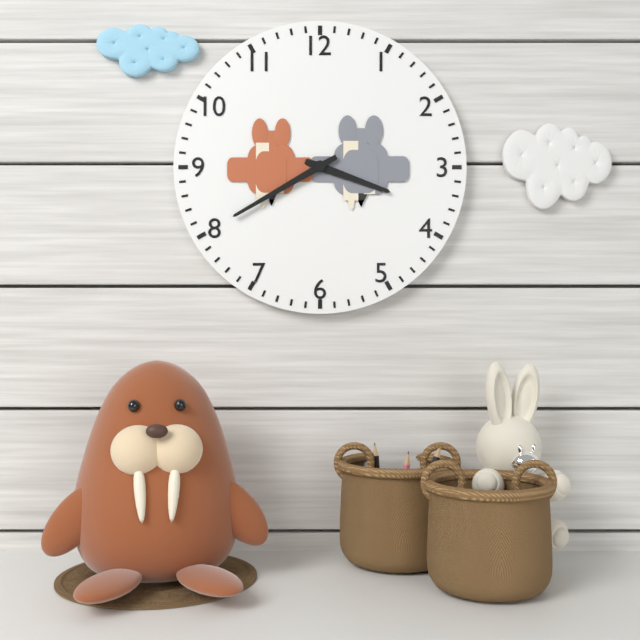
3 h 40 min
